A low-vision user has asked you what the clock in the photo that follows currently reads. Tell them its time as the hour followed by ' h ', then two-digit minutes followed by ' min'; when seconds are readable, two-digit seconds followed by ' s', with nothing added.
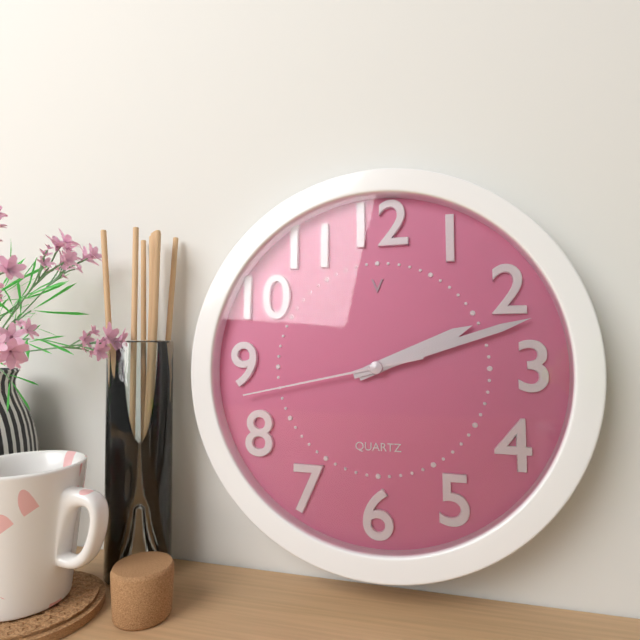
2 h 12 min 43 s
